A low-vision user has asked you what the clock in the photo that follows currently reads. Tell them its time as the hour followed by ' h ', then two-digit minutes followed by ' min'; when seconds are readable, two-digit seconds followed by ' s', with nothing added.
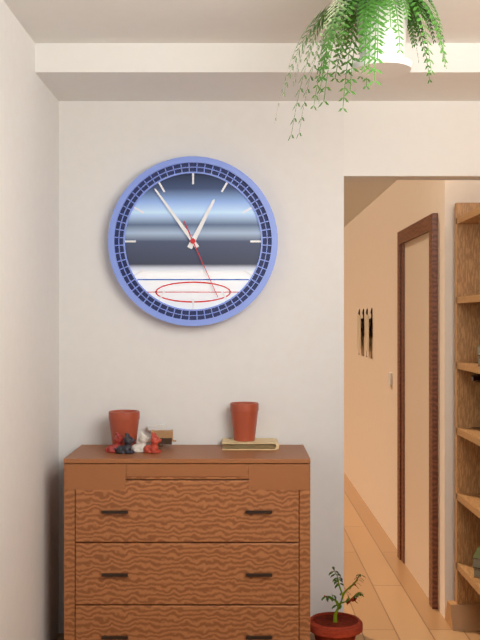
12 h 54 min 26 s
